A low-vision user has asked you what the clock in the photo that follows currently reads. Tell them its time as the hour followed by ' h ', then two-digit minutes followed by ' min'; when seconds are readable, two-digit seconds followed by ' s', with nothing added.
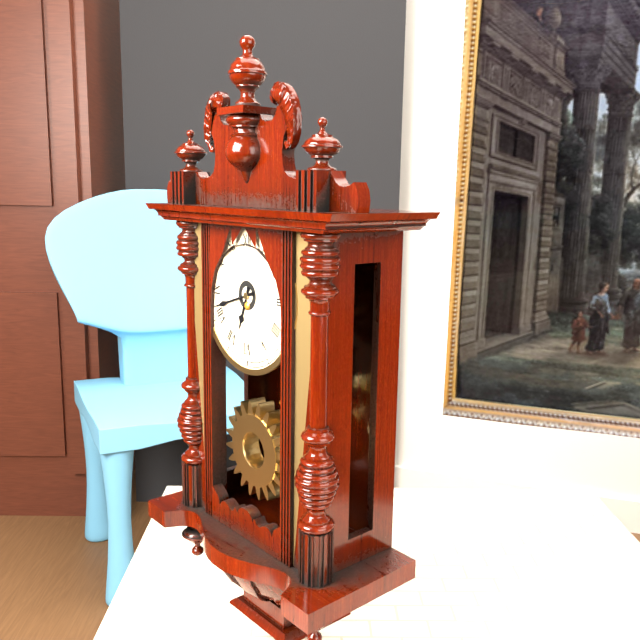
6 h 42 min
